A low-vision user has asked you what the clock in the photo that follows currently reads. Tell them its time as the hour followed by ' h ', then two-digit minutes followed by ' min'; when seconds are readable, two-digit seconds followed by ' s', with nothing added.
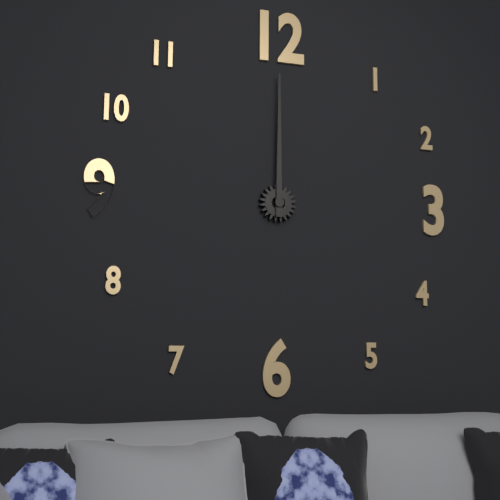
12 h 00 min
